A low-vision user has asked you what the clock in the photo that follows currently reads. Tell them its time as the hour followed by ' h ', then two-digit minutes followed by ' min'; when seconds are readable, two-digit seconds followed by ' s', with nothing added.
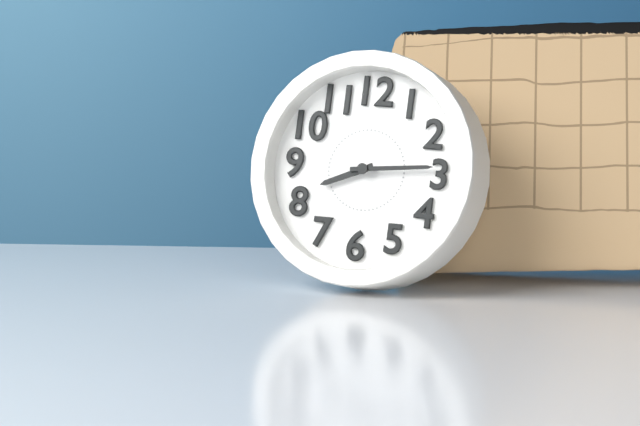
8 h 14 min
